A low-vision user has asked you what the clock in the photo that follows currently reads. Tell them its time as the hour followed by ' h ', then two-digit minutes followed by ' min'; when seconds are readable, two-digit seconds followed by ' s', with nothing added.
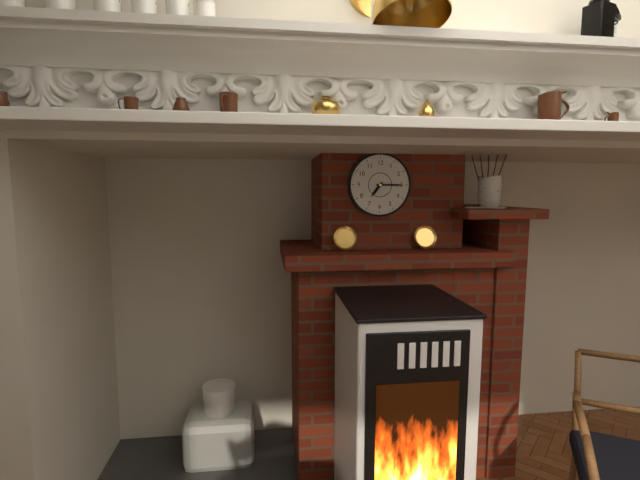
7 h 15 min
